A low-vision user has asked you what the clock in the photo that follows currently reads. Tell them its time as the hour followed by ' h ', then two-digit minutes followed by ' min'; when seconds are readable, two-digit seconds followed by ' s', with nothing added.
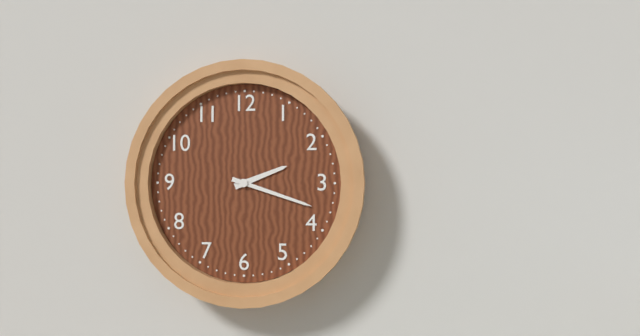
2 h 18 min
